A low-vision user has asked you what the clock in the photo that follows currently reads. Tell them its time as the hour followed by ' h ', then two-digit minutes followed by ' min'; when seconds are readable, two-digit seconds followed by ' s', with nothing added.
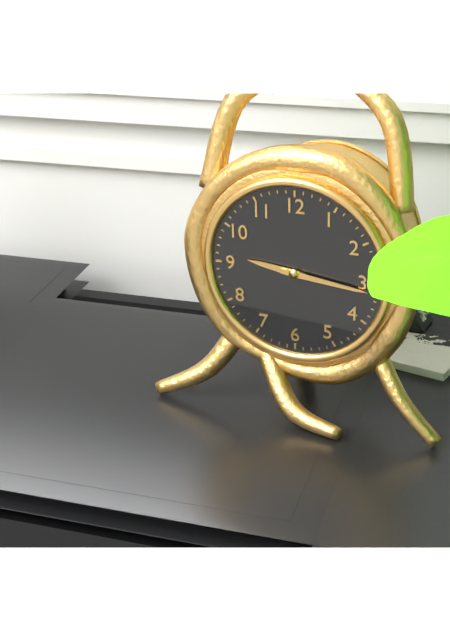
9 h 16 min
